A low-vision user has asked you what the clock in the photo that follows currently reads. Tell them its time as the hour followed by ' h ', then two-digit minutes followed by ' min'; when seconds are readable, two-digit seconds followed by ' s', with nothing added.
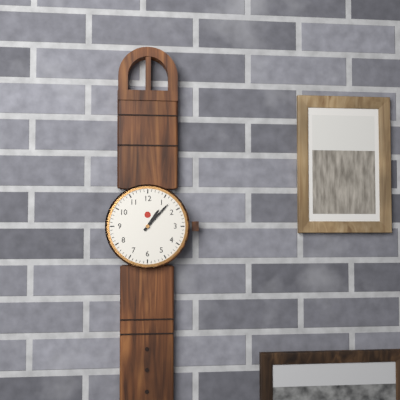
1 h 07 min
